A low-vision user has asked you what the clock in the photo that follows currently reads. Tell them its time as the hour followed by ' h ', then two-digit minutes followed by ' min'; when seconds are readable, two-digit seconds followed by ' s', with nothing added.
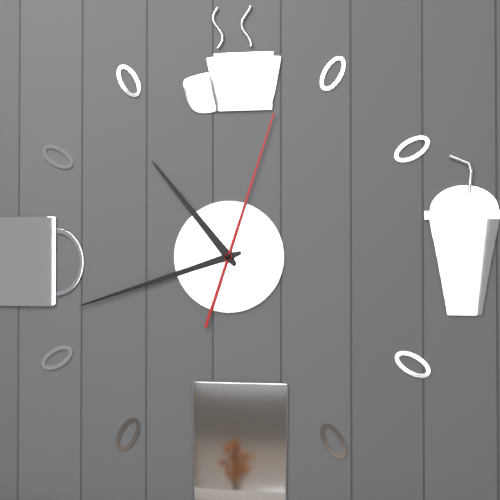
10 h 42 min 03 s
